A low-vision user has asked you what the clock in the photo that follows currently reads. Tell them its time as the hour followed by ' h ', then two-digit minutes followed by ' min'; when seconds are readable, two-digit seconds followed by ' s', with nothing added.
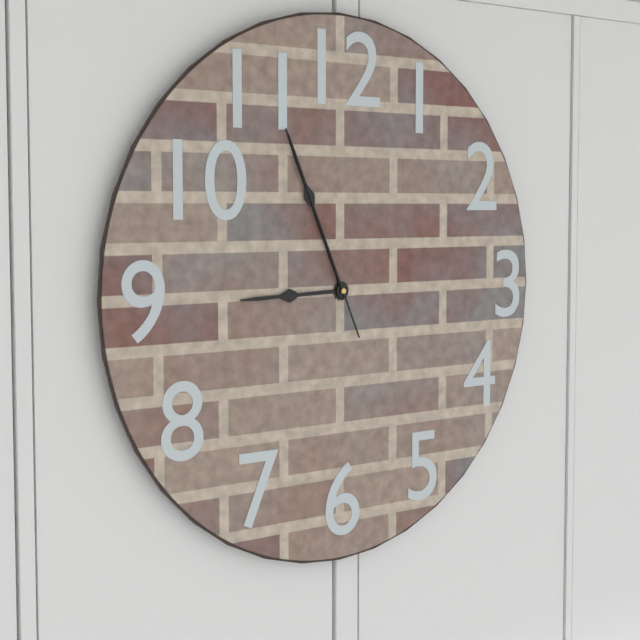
8 h 56 min 56 s
